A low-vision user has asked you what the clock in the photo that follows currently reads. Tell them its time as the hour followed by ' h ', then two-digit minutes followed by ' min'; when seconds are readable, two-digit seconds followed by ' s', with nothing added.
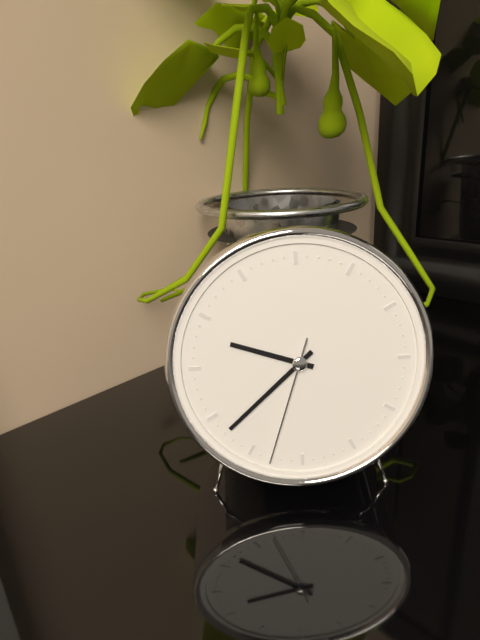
9 h 38 min 33 s
